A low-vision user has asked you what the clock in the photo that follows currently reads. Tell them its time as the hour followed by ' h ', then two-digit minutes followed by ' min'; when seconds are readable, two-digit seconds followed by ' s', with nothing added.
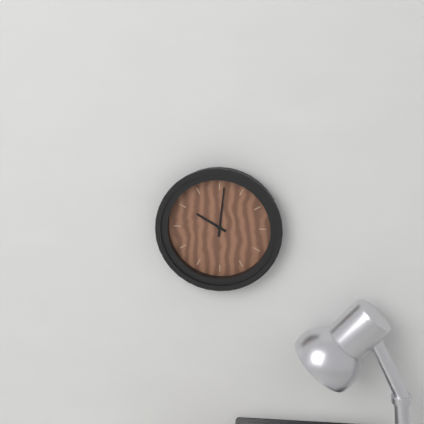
10 h 01 min
